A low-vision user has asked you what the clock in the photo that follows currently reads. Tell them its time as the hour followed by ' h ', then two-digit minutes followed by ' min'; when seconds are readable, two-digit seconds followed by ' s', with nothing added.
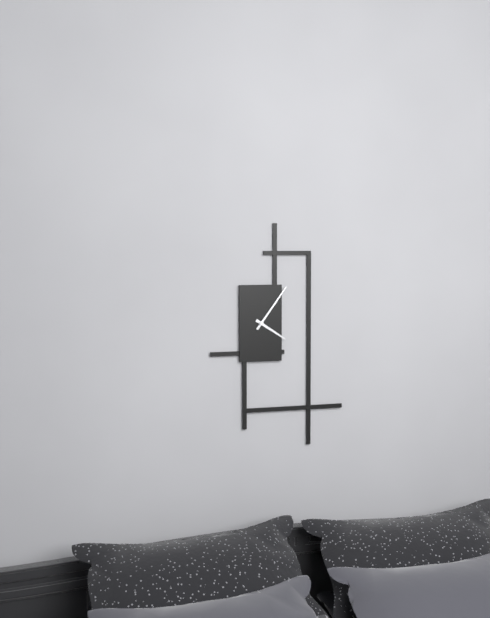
4 h 06 min
